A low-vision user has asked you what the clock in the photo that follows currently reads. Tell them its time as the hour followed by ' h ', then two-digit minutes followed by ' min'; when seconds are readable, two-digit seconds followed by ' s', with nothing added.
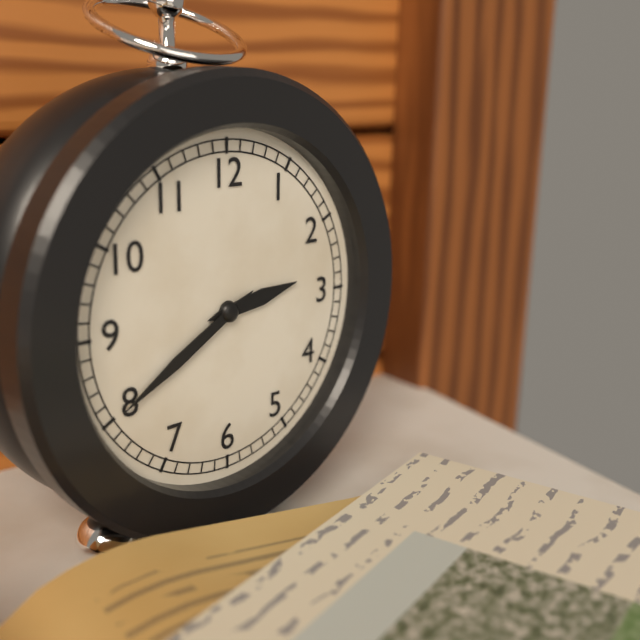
2 h 40 min
